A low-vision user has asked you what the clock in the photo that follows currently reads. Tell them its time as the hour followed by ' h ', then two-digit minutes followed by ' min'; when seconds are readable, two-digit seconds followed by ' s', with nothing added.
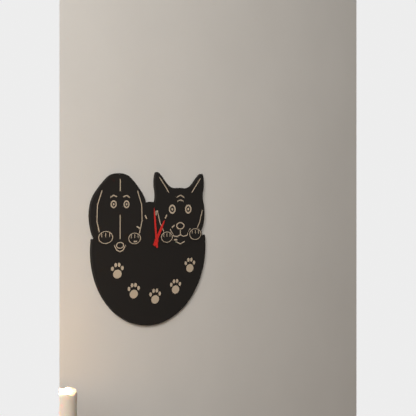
12 h 59 min
